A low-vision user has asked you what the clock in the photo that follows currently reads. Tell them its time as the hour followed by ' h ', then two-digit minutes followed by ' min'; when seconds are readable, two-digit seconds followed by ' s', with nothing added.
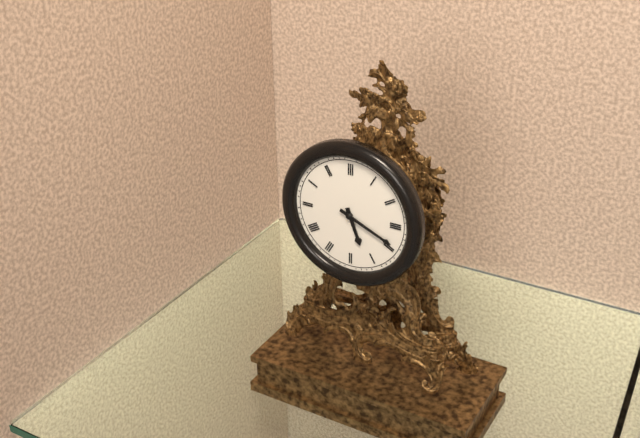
5 h 19 min
